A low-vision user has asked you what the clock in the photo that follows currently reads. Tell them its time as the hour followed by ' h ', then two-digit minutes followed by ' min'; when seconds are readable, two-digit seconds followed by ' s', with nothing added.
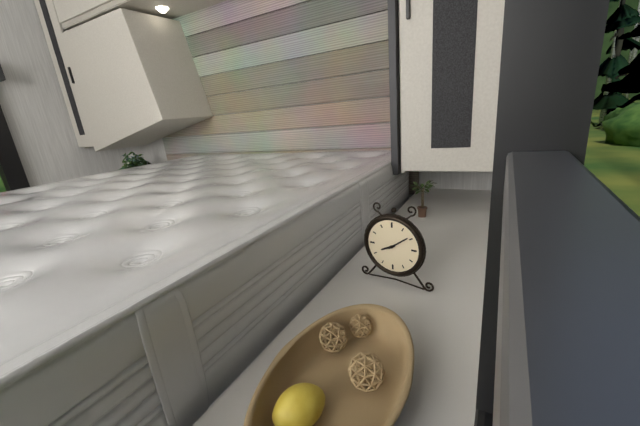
8 h 09 min
